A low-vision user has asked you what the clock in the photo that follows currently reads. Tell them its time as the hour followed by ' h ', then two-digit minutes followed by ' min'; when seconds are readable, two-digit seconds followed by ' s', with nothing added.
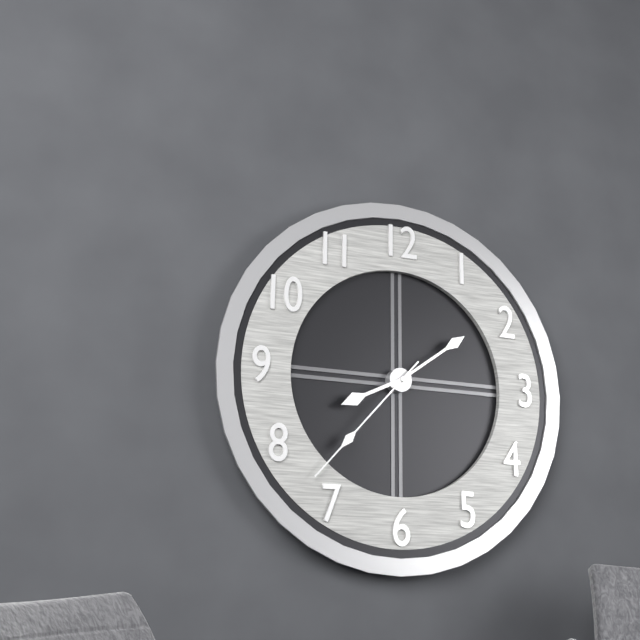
8 h 09 min 37 s
